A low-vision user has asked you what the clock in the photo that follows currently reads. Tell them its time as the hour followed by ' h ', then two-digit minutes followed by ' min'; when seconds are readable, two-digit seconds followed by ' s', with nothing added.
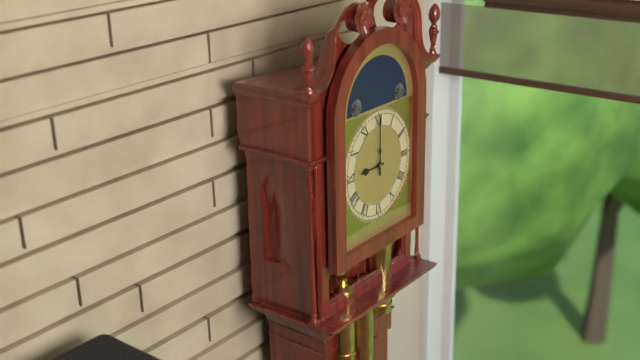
9 h 00 min
